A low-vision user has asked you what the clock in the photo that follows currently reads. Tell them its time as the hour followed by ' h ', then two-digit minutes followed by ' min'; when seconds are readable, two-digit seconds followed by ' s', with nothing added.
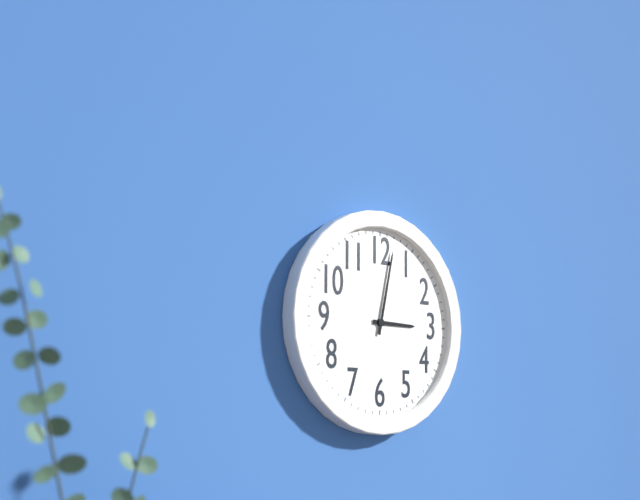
3 h 02 min
